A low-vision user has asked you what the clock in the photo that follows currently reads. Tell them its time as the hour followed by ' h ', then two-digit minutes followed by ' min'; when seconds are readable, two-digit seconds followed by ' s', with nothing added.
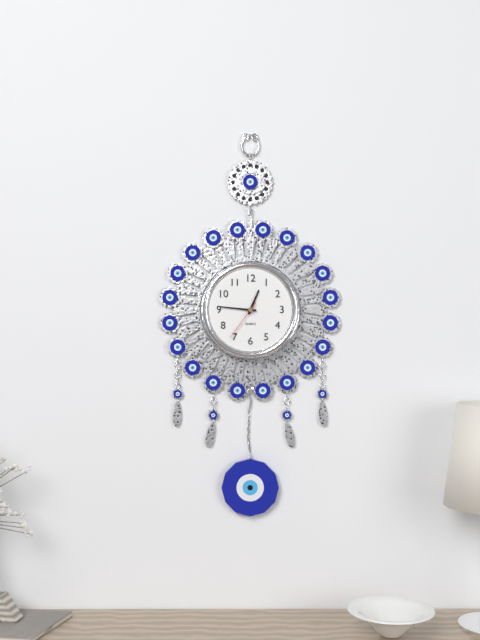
12 h 46 min
